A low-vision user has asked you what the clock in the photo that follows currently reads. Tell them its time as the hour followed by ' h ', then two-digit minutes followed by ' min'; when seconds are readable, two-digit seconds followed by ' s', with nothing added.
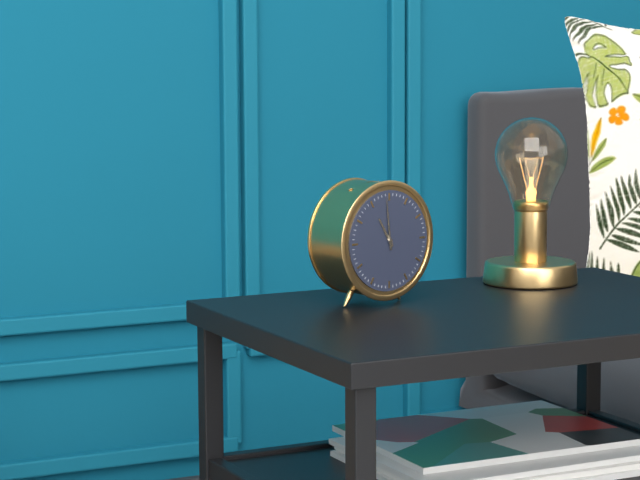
10 h 59 min
